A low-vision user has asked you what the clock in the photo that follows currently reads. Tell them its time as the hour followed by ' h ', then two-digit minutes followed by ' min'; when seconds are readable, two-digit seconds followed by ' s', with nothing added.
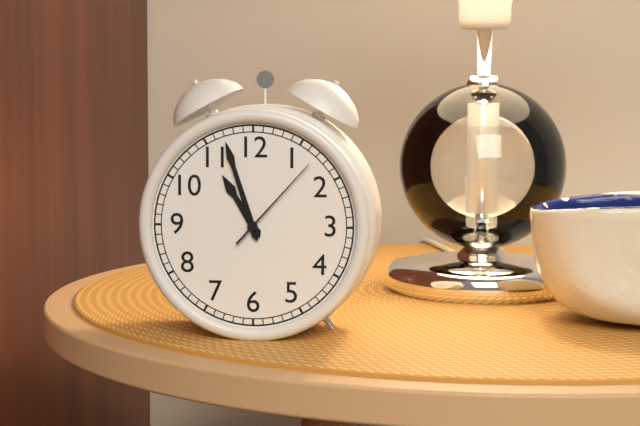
10 h 57 min 07 s
